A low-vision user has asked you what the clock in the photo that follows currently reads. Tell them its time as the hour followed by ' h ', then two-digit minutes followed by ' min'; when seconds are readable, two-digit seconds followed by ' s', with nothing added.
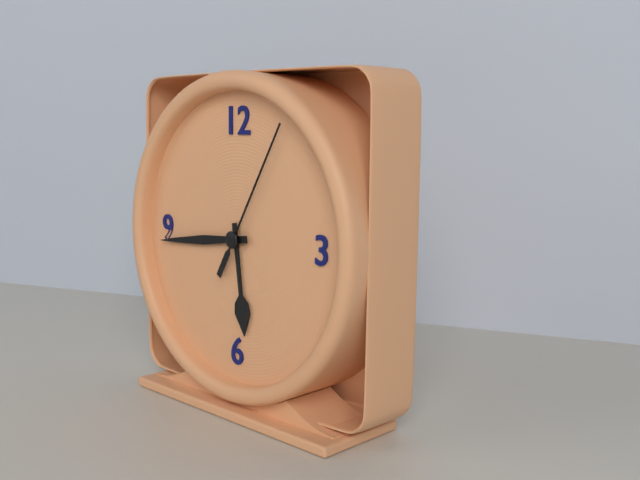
5 h 44 min 05 s
